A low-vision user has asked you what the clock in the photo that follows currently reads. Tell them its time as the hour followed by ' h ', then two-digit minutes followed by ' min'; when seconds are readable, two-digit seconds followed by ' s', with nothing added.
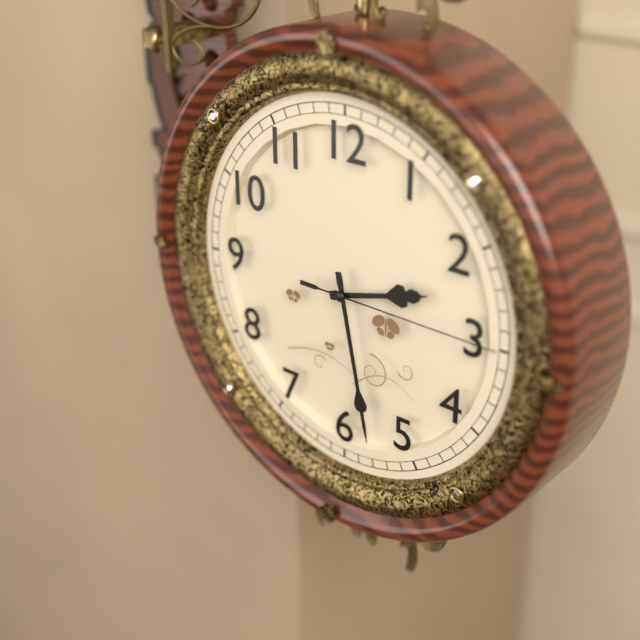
2 h 28 min 15 s
